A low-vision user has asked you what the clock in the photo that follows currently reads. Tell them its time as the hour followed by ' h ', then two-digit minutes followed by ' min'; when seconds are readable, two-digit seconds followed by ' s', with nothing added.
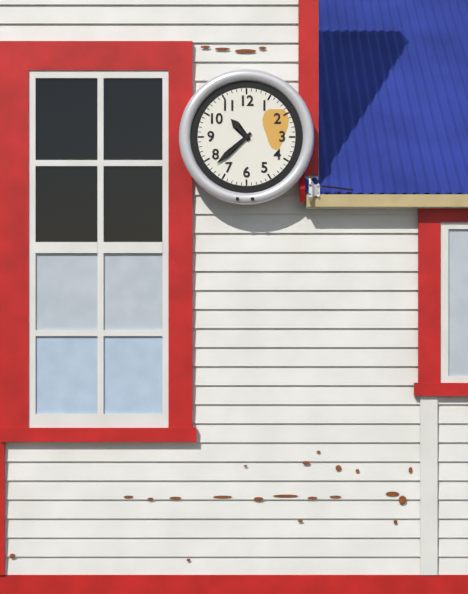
10 h 38 min
